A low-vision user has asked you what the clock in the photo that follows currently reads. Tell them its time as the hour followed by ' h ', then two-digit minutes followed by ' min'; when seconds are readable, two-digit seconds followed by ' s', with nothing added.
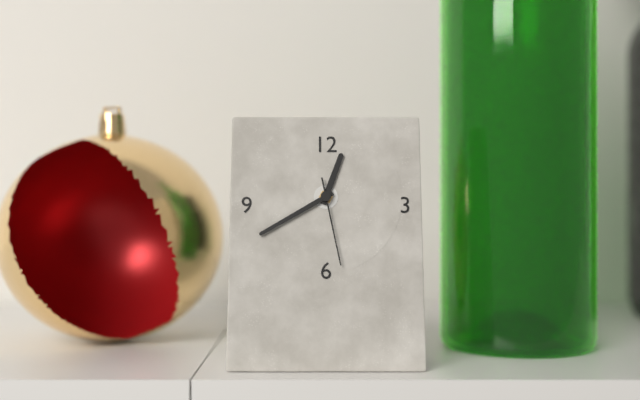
12 h 40 min 28 s
